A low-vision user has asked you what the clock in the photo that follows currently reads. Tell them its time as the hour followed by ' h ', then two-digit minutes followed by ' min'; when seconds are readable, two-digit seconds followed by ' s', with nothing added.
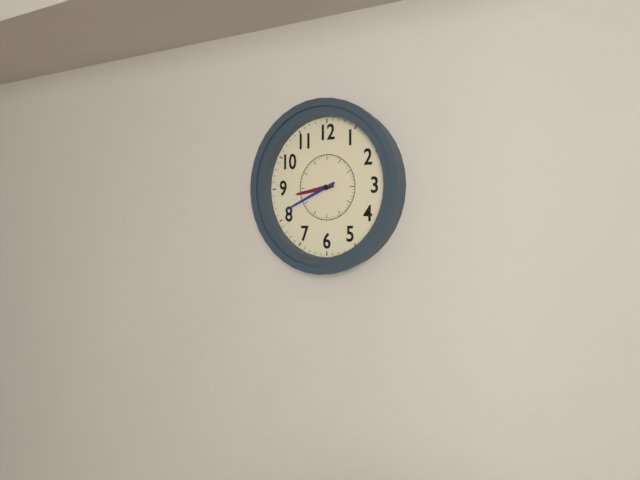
8 h 41 min
